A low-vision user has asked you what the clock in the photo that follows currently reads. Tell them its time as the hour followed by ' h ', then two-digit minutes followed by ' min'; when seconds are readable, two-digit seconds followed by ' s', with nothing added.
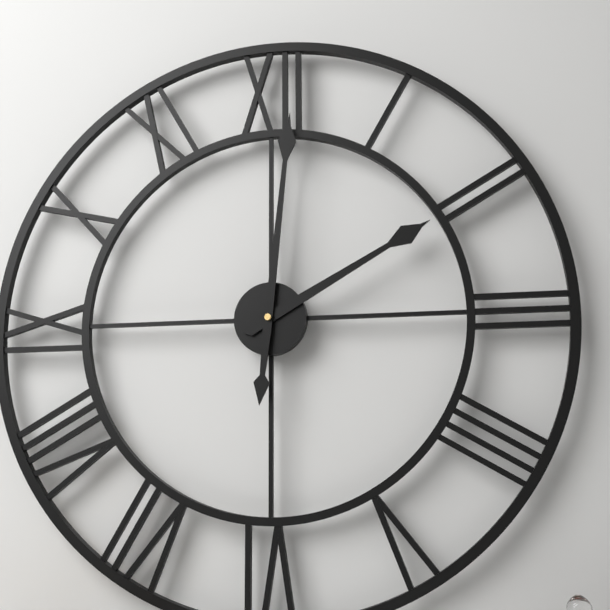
2 h 01 min
